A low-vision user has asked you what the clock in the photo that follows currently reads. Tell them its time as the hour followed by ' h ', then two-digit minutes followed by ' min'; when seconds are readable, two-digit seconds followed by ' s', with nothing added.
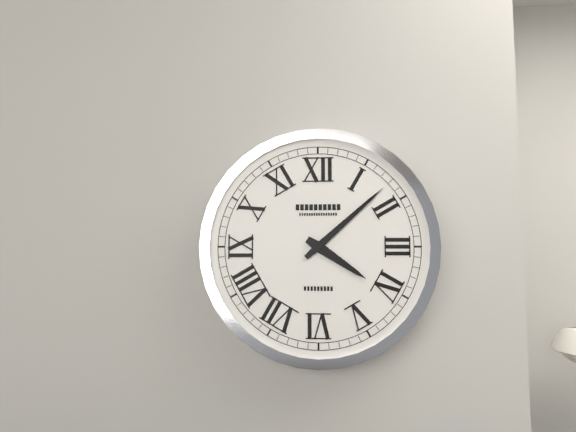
4 h 08 min
